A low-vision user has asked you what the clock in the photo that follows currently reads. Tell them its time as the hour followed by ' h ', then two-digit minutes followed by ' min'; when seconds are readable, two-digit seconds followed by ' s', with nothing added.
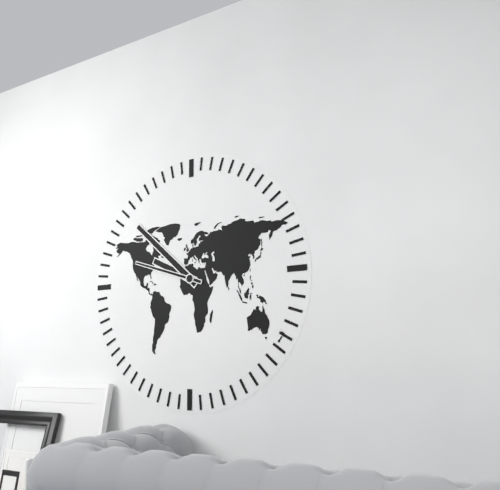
9 h 52 min 48 s
